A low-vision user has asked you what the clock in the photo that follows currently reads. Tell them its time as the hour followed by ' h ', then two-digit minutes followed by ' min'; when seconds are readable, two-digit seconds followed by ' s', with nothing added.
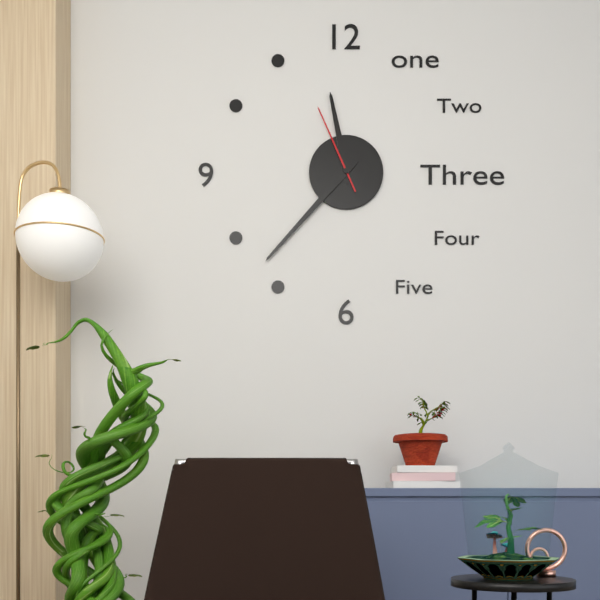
11 h 37 min 56 s
